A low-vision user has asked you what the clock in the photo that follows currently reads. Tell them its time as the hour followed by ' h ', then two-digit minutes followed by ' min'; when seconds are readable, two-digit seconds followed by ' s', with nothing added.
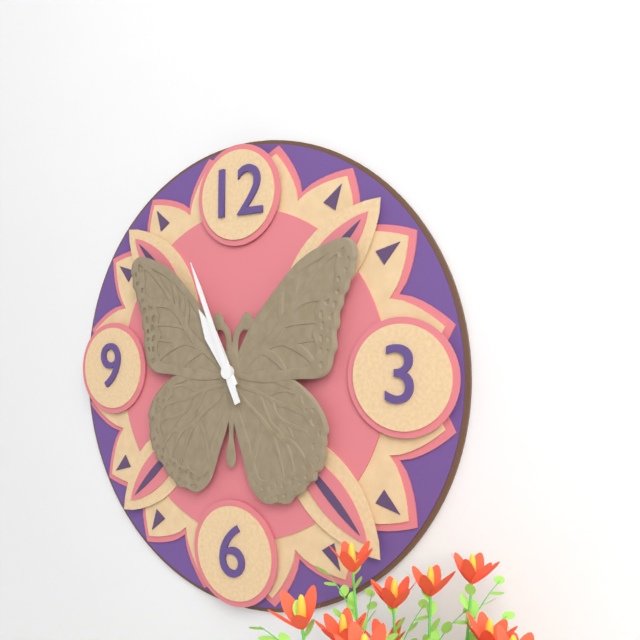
10 h 56 min
